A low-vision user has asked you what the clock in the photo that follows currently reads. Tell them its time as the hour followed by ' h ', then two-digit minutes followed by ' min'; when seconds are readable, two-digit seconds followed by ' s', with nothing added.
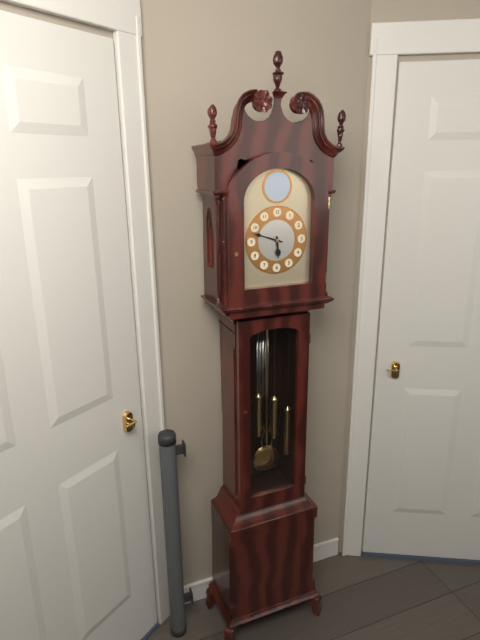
5 h 48 min
